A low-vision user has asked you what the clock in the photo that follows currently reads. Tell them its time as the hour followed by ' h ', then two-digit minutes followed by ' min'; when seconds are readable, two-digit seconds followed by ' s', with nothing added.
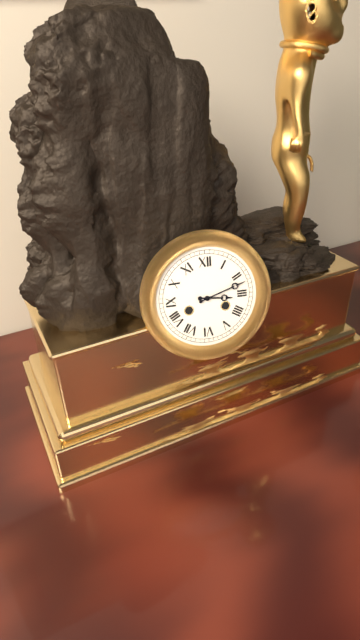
3 h 12 min
